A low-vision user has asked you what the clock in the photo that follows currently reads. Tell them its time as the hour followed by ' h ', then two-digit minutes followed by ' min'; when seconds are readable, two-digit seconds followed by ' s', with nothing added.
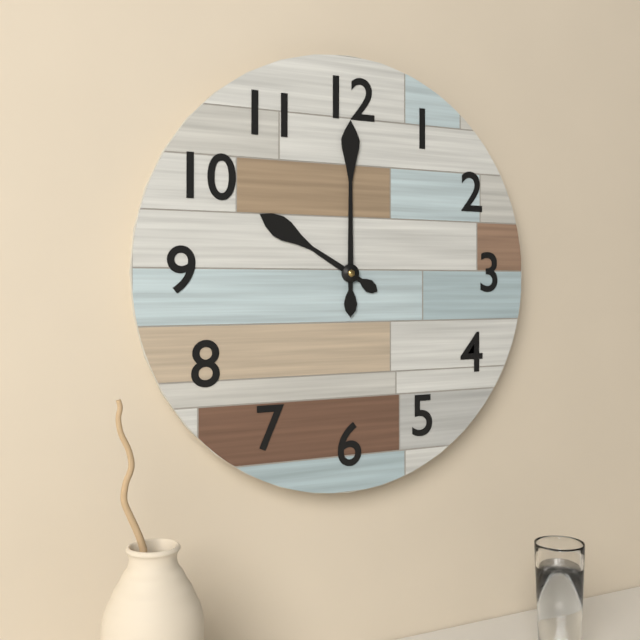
10 h 00 min
